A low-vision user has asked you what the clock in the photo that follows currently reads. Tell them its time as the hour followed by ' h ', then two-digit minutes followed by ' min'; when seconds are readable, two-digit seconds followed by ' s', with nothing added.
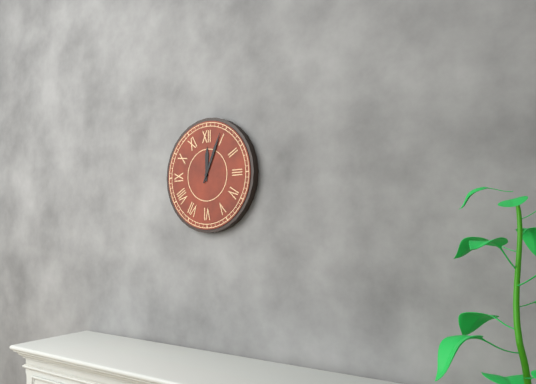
12 h 04 min
